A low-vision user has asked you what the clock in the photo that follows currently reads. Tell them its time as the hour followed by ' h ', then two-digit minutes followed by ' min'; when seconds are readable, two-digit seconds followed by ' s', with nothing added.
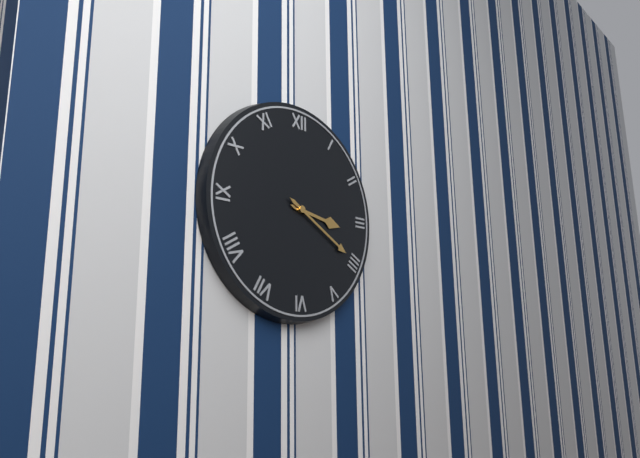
3 h 20 min
